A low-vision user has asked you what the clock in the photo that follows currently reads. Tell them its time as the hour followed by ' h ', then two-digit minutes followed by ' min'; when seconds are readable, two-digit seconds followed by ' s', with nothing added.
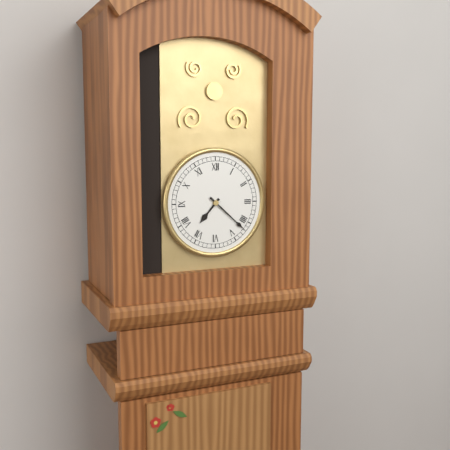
7 h 22 min
